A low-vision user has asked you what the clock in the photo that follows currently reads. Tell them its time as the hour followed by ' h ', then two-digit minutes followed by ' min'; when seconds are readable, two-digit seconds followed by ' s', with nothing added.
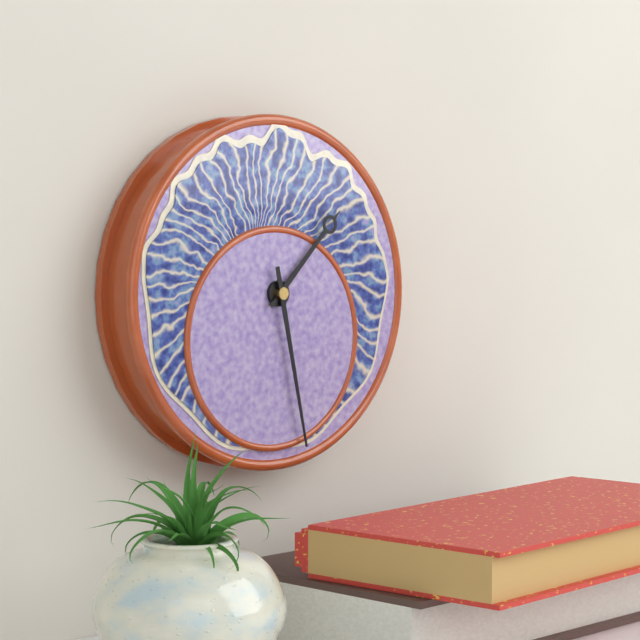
1 h 28 min
